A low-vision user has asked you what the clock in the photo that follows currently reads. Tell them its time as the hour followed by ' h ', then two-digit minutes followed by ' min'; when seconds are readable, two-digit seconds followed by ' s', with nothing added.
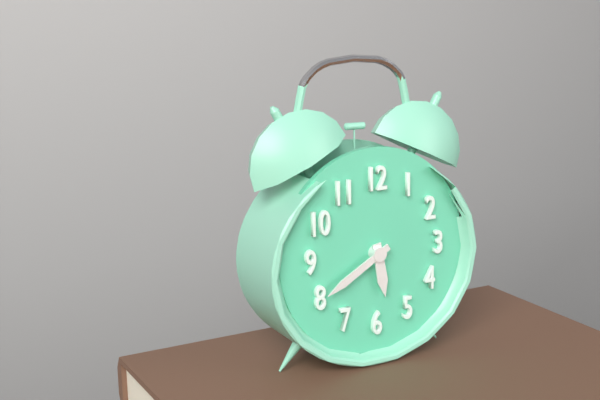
5 h 40 min
